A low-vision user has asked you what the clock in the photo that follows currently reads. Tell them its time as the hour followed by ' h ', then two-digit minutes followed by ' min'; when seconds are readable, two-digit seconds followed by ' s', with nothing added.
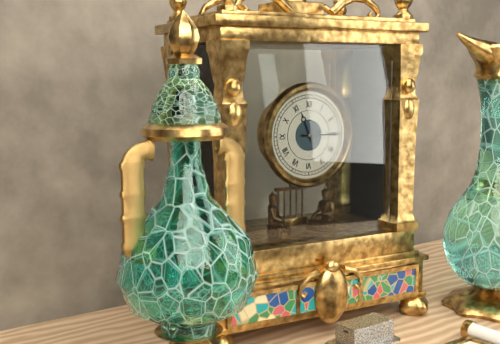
11 h 15 min
